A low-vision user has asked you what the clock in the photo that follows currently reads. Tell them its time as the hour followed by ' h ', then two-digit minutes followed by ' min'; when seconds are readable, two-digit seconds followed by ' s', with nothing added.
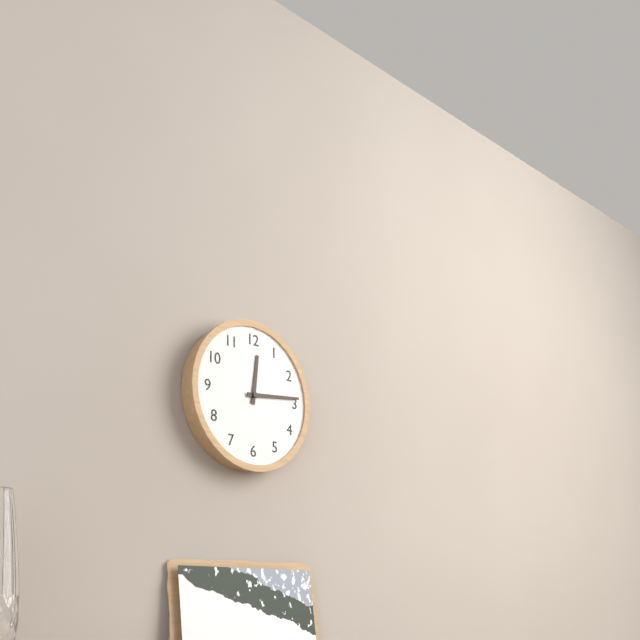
12 h 14 min
